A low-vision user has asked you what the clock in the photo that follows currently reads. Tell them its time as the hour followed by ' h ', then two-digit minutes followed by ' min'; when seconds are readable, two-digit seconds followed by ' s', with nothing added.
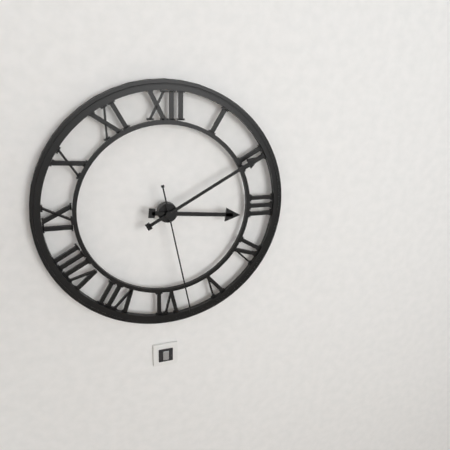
3 h 10 min 28 s
